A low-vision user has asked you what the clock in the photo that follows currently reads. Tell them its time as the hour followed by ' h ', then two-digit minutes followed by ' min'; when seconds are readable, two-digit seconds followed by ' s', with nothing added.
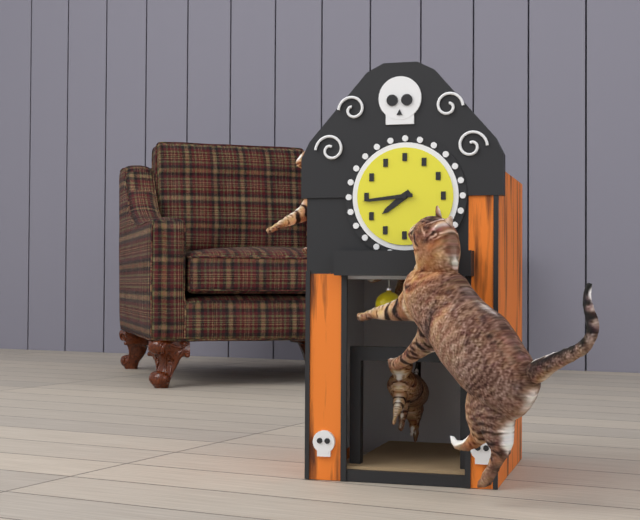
7 h 44 min
